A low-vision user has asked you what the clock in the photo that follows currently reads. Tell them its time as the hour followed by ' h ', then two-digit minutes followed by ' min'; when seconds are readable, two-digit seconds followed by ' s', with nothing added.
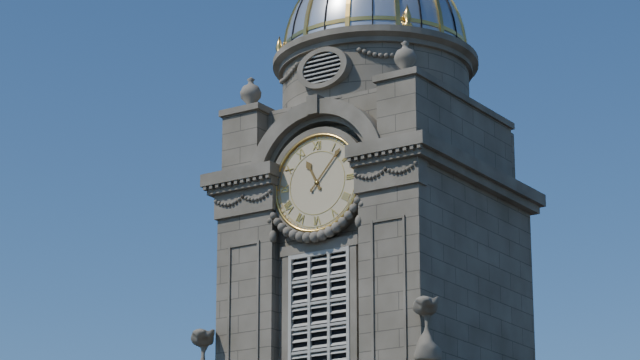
11 h 07 min
